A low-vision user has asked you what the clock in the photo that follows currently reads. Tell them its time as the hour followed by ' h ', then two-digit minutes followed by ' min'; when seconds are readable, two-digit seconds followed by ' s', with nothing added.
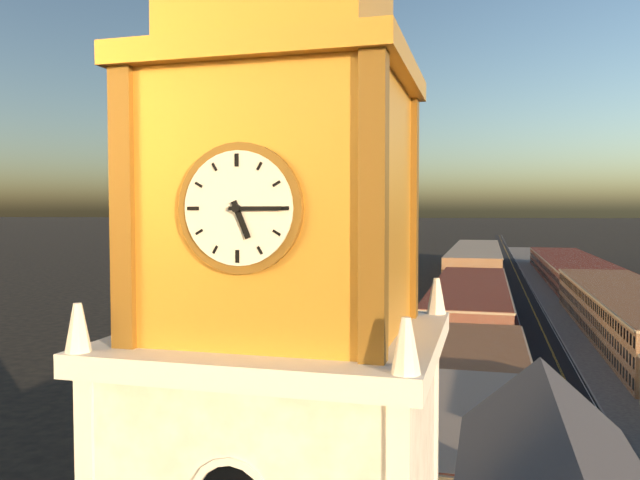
5 h 15 min
